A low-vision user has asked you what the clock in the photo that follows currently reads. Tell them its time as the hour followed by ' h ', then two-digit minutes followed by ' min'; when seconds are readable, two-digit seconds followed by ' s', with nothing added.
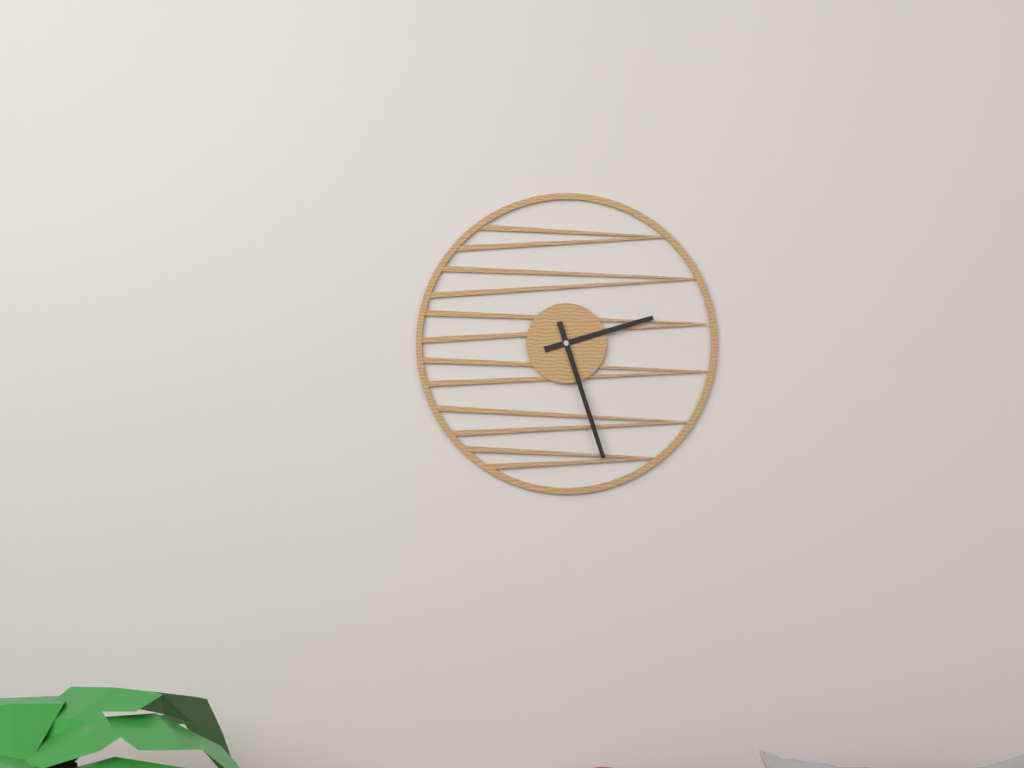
2 h 27 min
